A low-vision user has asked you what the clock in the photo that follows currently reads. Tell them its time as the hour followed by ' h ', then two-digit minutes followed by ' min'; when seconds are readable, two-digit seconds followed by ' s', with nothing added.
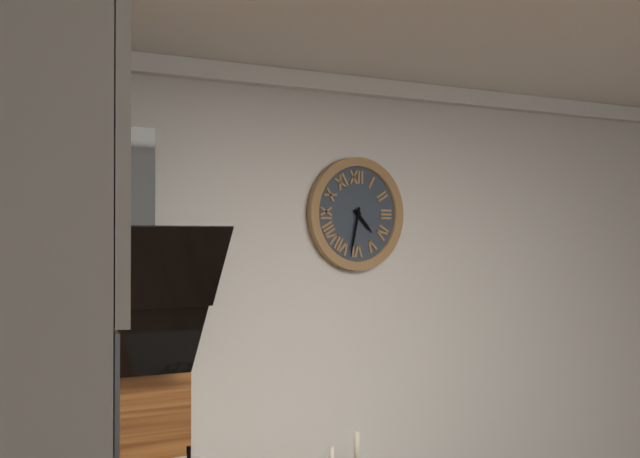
4 h 32 min
